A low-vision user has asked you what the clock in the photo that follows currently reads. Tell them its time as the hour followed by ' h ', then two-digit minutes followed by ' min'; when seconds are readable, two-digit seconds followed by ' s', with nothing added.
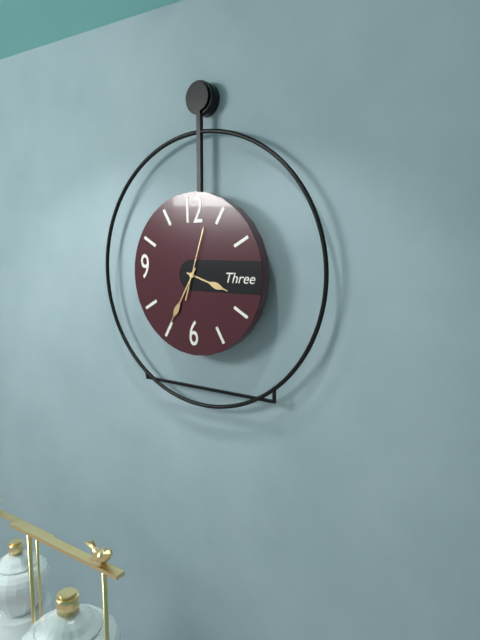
3 h 35 min 03 s
